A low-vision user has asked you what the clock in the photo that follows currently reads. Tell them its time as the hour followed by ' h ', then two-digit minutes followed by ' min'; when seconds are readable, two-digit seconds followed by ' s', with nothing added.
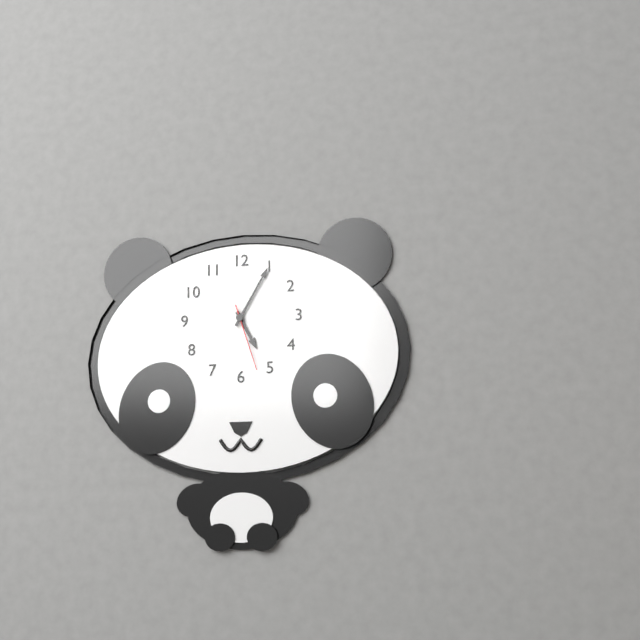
5 h 05 min 27 s
